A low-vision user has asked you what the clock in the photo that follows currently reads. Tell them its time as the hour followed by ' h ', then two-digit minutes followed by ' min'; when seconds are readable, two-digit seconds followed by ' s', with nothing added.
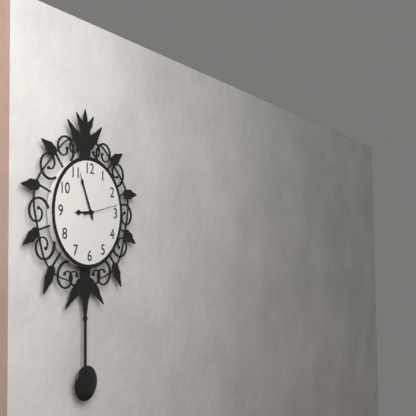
8 h 56 min
